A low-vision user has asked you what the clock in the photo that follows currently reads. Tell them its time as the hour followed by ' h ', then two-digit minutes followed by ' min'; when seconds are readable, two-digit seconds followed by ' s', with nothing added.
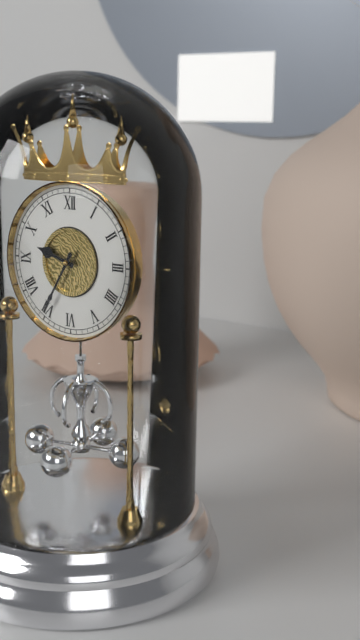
9 h 35 min
